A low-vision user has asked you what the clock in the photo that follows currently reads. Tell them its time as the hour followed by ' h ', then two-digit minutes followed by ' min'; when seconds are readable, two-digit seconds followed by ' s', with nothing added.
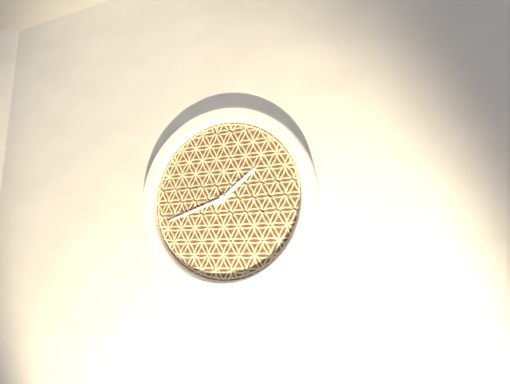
1 h 42 min
